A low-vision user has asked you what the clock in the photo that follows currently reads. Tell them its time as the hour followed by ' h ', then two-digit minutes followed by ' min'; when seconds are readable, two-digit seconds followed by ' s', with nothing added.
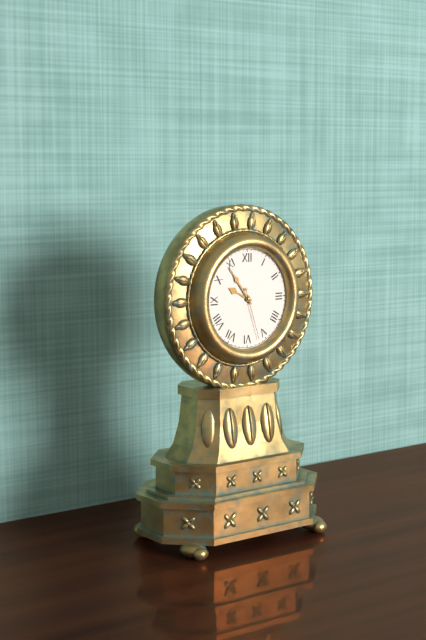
9 h 54 min 27 s
